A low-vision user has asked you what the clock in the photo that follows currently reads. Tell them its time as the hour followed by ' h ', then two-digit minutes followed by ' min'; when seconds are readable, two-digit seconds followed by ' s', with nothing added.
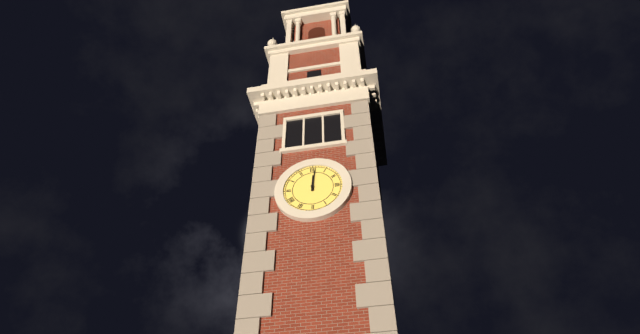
12 h 01 min
